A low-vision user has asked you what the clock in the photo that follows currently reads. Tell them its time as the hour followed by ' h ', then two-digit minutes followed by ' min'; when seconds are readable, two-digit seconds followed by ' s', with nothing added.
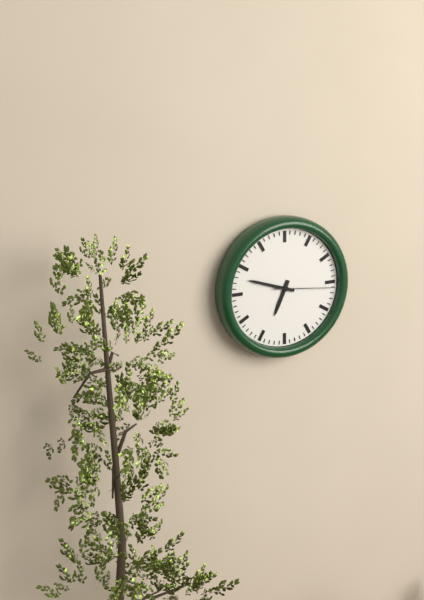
6 h 48 min 16 s
